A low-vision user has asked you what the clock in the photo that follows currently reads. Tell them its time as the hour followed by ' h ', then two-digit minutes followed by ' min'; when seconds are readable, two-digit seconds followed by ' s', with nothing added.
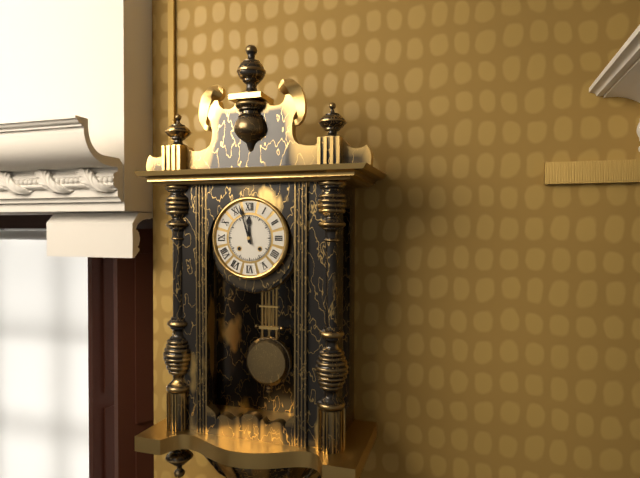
11 h 57 min
